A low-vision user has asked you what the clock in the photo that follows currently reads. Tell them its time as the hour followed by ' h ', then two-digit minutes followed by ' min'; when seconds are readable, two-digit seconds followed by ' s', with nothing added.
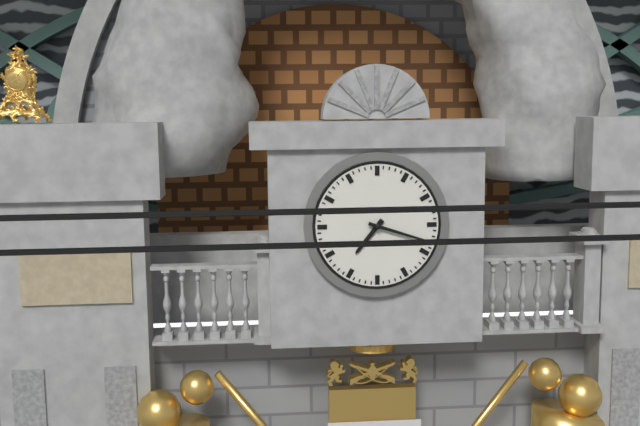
7 h 18 min
